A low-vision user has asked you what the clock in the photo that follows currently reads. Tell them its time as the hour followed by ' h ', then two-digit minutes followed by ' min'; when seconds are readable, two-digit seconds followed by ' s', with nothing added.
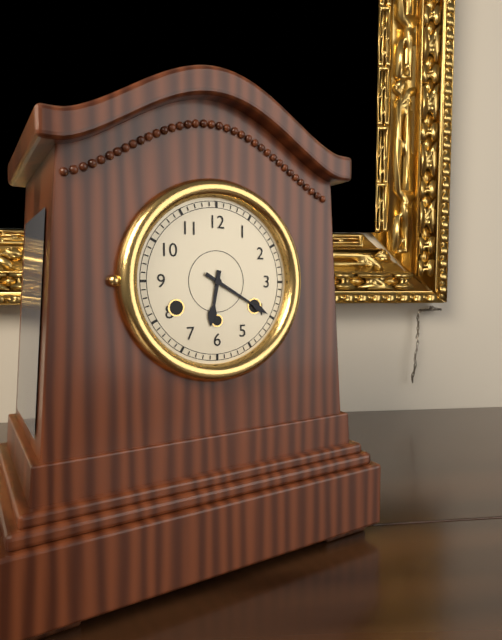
6 h 20 min
